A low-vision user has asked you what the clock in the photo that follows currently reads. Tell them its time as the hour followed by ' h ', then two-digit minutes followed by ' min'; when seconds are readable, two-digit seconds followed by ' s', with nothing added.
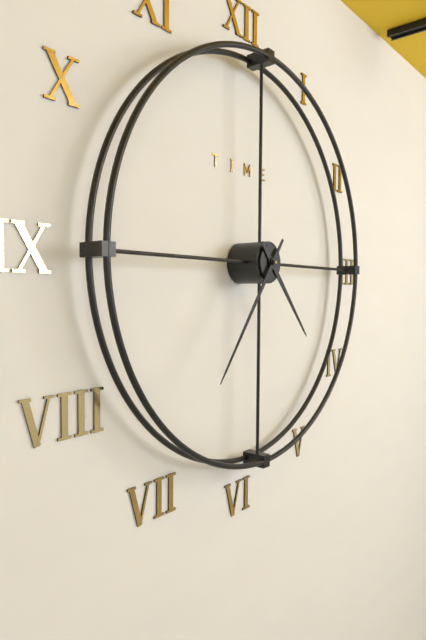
4 h 36 min
